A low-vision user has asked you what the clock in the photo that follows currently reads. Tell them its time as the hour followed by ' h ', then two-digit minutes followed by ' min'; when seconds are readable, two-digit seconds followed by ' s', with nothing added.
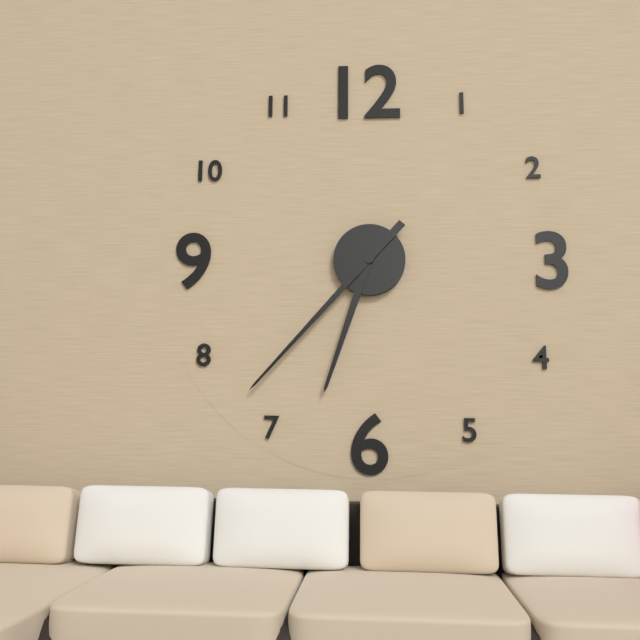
6 h 37 min
